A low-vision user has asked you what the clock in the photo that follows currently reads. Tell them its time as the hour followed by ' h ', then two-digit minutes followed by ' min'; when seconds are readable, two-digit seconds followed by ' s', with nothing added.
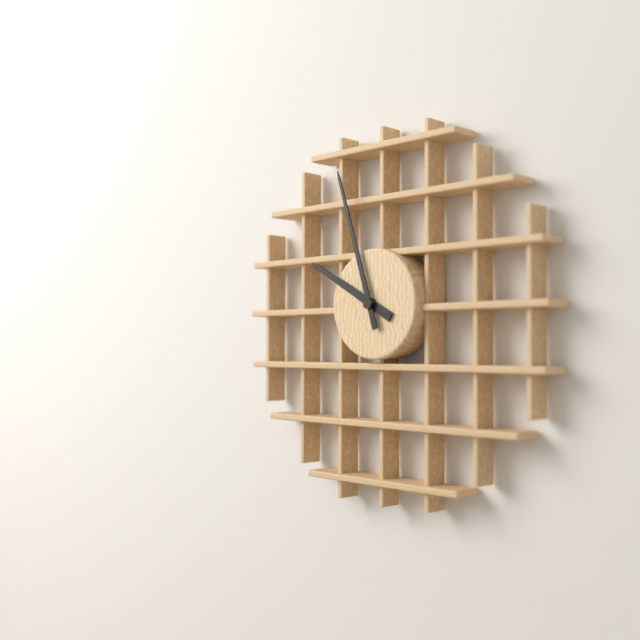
9 h 57 min
